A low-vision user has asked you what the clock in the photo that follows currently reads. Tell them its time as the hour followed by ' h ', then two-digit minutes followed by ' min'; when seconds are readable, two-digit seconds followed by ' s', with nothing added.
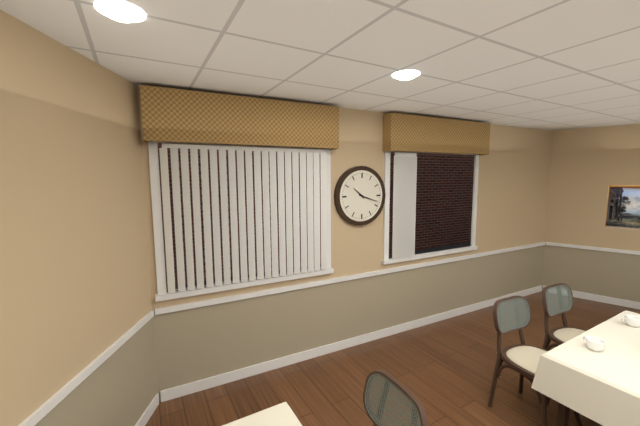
10 h 18 min
